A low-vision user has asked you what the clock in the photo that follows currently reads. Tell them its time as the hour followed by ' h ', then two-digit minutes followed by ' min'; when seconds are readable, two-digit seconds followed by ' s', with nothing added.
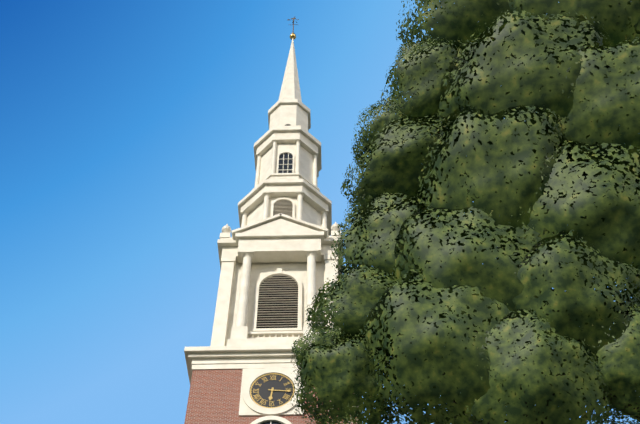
6 h 16 min
